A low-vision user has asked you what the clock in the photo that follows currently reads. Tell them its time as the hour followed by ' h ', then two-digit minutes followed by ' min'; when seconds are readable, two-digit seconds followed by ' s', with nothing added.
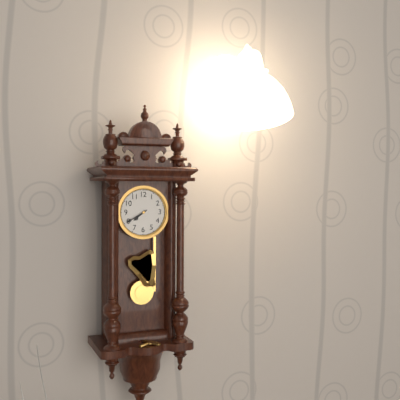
7 h 40 min
